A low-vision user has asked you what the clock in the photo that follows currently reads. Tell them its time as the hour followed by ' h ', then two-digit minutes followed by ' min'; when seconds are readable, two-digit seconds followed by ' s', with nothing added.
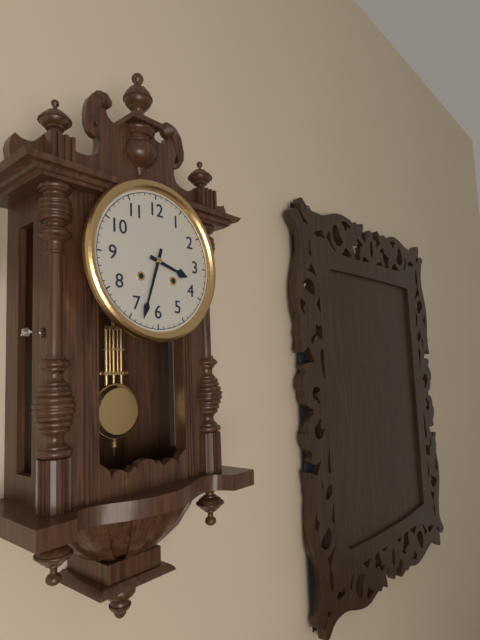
3 h 33 min
